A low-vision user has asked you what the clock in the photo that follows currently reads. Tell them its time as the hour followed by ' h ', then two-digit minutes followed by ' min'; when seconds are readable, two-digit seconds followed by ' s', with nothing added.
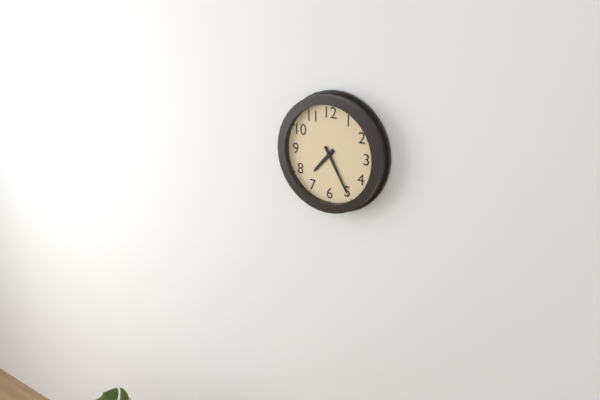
7 h 25 min
